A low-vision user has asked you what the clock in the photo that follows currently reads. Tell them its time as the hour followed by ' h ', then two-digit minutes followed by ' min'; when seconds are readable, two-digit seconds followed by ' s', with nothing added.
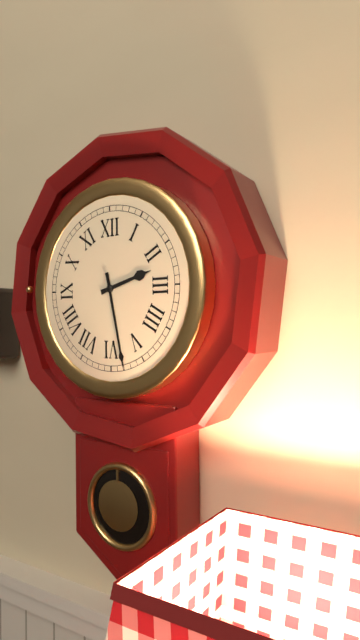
2 h 28 min
